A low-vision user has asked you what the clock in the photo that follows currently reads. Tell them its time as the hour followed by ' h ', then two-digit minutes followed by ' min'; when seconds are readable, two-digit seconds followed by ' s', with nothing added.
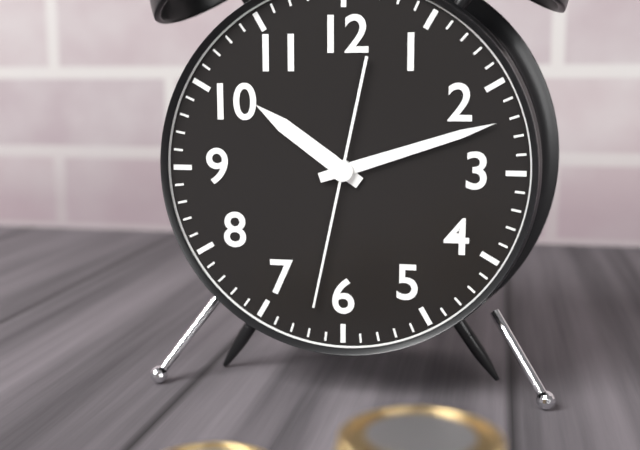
10 h 12 min 32 s
